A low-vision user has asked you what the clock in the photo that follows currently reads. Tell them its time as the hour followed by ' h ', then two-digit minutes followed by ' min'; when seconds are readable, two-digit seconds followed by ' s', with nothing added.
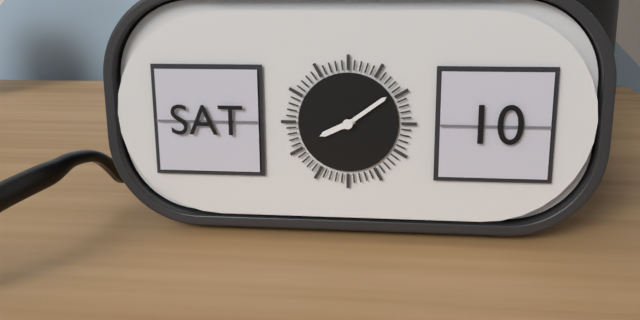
8 h 09 min
